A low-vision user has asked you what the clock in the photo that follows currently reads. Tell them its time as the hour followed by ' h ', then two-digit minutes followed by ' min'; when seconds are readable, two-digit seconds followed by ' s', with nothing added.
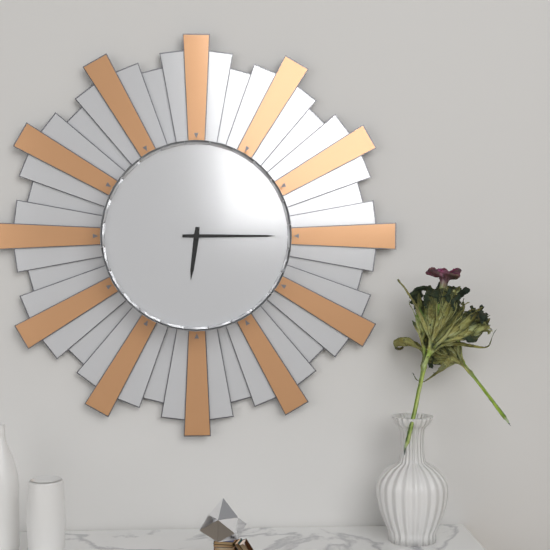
6 h 15 min
